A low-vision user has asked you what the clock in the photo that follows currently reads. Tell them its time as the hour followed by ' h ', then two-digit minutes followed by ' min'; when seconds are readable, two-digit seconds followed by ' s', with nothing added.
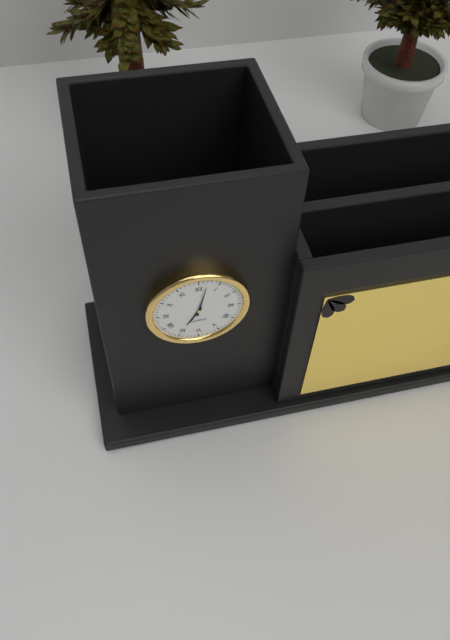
7 h 02 min
